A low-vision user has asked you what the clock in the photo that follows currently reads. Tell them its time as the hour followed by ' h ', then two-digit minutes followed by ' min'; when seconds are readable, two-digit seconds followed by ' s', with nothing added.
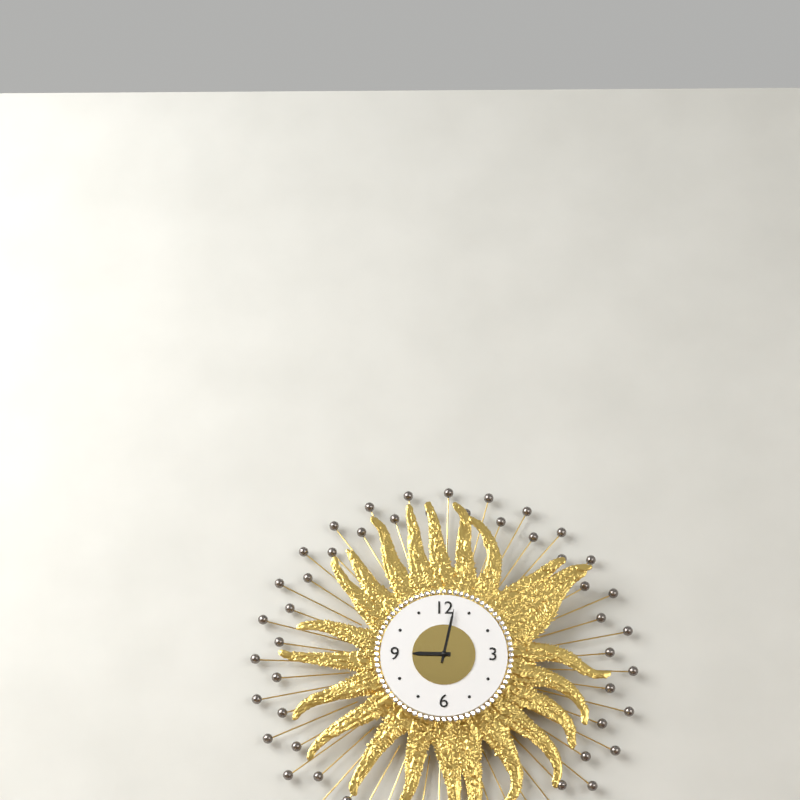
9 h 02 min
